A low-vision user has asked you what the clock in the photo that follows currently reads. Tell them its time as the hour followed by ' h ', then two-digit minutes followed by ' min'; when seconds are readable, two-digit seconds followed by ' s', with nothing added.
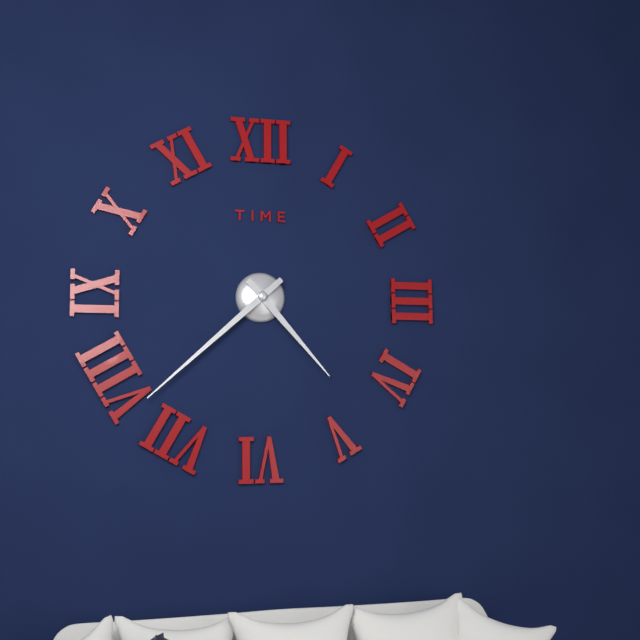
4 h 38 min
